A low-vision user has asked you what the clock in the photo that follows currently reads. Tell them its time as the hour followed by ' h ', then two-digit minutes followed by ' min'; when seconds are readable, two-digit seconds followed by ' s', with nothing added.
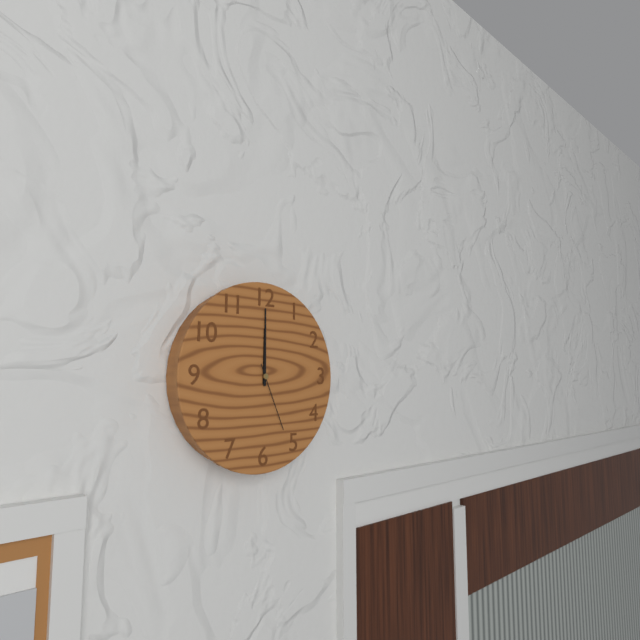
12 h 00 min 26 s
